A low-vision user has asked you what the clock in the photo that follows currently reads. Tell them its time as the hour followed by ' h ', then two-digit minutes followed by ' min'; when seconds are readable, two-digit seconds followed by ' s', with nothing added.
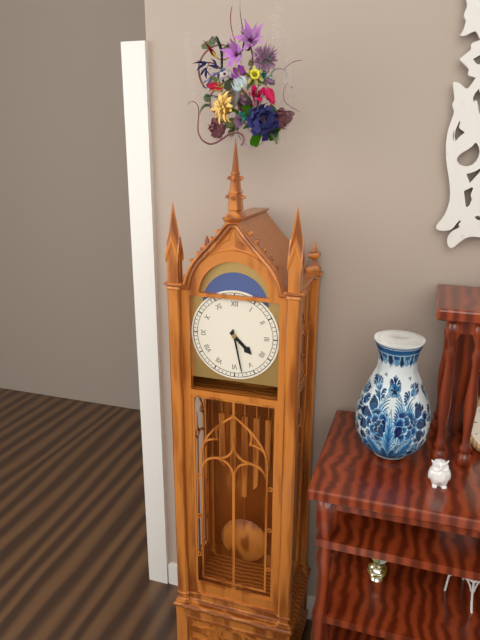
4 h 28 min
